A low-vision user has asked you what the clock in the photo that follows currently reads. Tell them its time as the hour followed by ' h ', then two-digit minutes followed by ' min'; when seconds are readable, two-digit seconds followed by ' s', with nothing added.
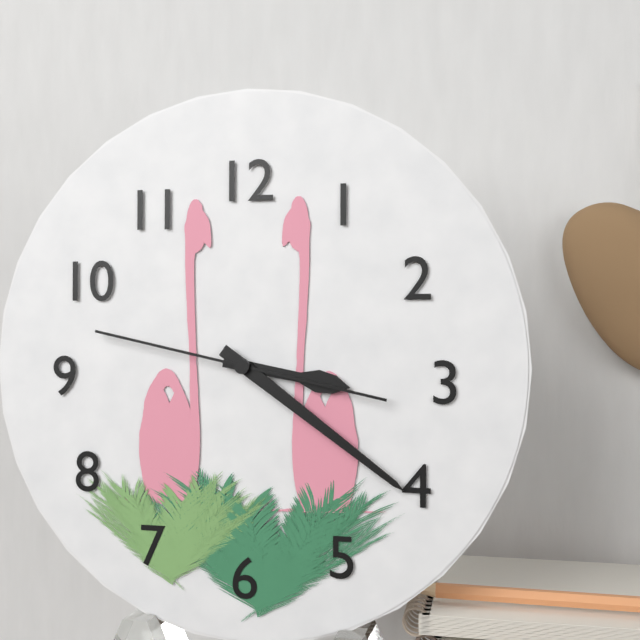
3 h 21 min 47 s
